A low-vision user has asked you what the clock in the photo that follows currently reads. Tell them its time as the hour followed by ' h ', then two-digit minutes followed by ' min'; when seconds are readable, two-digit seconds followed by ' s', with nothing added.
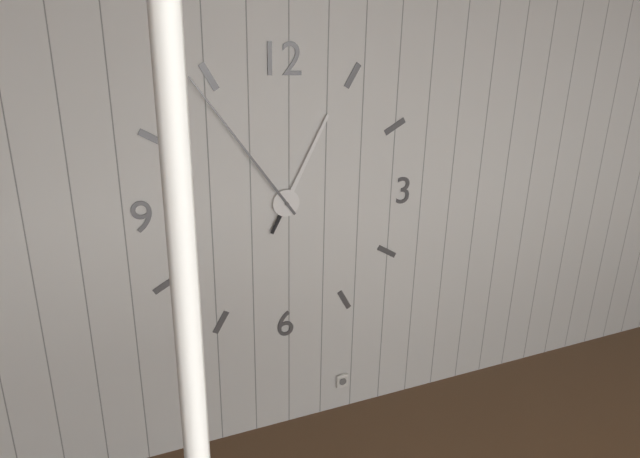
12 h 54 min
